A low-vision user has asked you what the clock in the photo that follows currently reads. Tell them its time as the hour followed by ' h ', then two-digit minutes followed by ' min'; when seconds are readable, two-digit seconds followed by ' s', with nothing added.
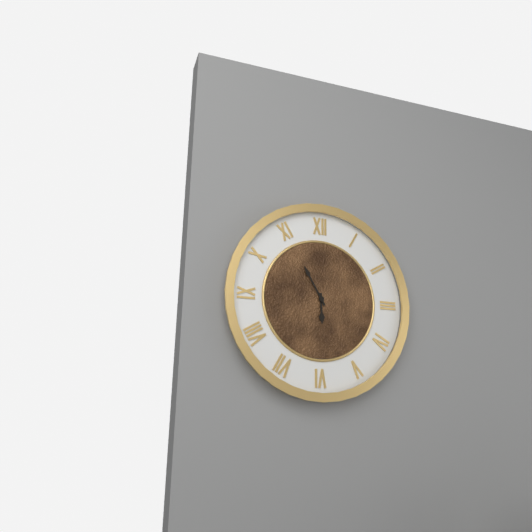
5 h 55 min
